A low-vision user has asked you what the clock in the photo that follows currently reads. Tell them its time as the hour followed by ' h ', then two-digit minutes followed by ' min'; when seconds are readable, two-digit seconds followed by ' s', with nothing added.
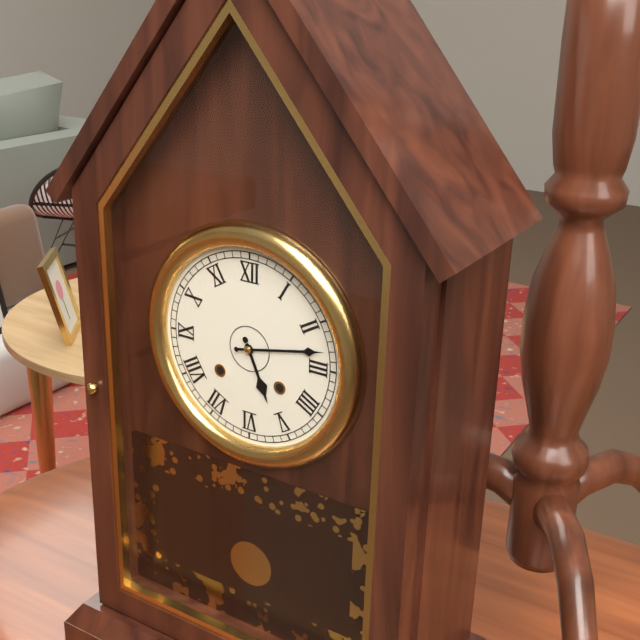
5 h 13 min
